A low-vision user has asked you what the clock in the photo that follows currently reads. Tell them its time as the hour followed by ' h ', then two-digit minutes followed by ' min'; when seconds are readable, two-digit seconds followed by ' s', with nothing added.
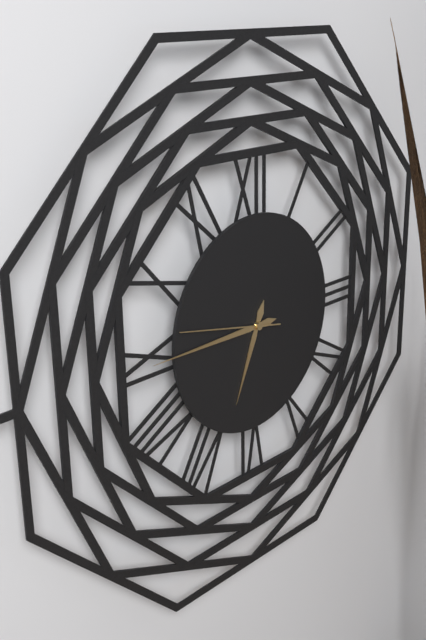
6 h 45 min 47 s
